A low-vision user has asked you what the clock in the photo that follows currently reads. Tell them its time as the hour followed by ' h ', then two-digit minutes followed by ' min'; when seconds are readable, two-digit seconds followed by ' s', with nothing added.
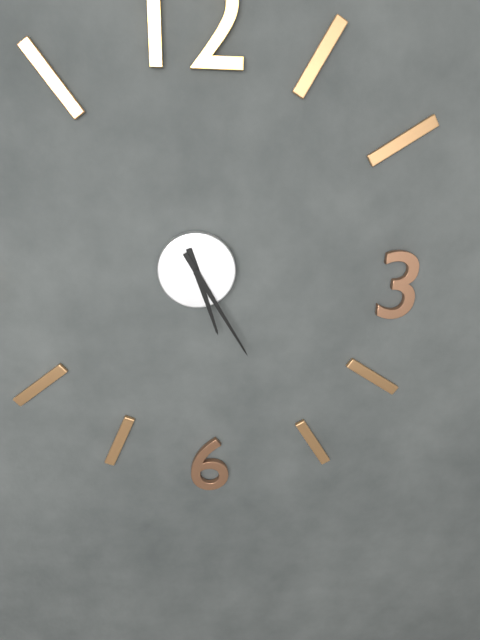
5 h 25 min
